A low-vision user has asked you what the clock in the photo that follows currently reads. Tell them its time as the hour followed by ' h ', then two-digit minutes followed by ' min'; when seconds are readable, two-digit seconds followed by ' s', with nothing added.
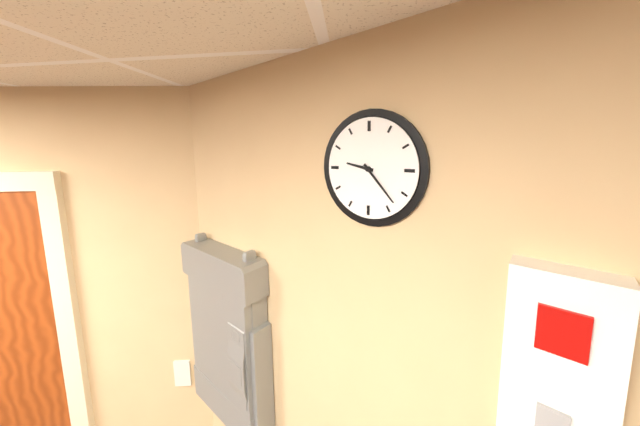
9 h 23 min
